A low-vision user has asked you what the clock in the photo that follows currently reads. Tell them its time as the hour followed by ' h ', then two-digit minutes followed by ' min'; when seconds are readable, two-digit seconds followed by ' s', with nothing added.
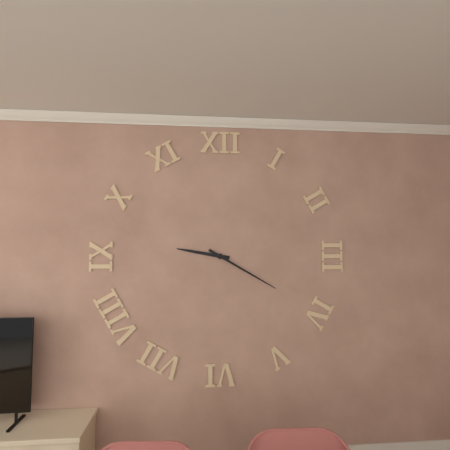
9 h 20 min
